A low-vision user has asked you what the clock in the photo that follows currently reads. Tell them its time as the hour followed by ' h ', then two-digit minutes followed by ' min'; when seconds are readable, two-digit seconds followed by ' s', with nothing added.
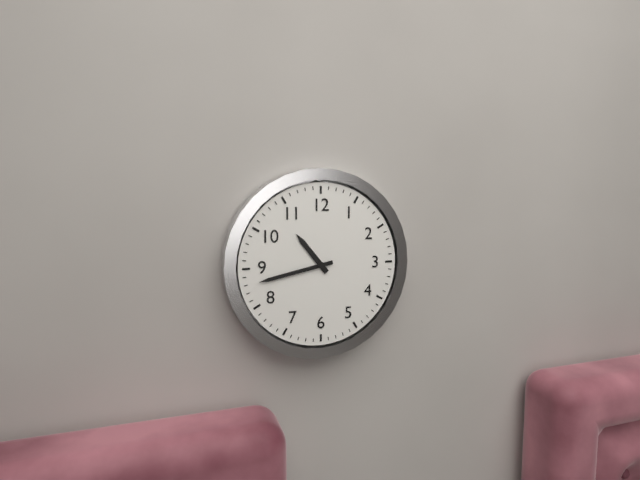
10 h 43 min
